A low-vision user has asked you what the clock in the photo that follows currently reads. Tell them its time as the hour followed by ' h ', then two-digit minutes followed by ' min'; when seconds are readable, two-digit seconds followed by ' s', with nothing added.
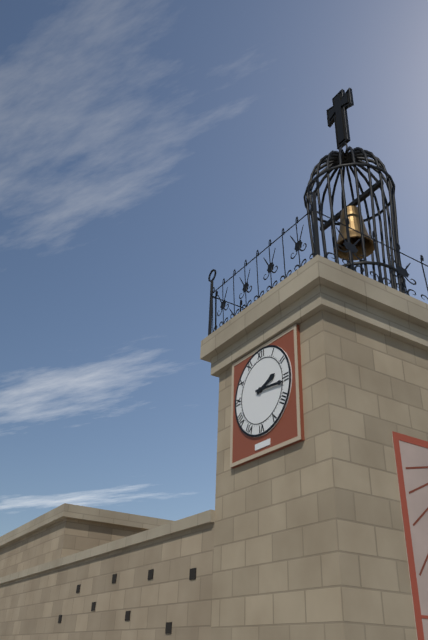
2 h 16 min
